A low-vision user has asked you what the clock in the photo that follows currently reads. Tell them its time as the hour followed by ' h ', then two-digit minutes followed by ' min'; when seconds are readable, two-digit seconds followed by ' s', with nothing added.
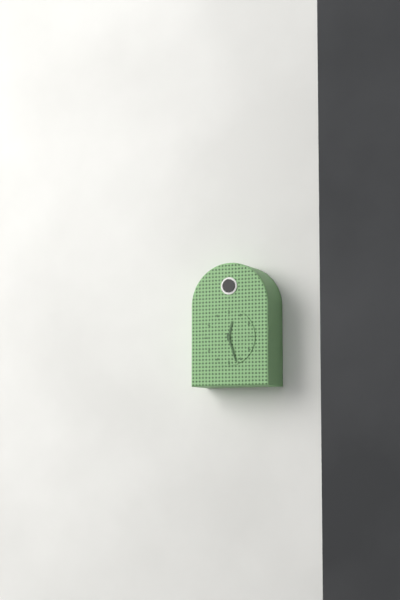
12 h 27 min
